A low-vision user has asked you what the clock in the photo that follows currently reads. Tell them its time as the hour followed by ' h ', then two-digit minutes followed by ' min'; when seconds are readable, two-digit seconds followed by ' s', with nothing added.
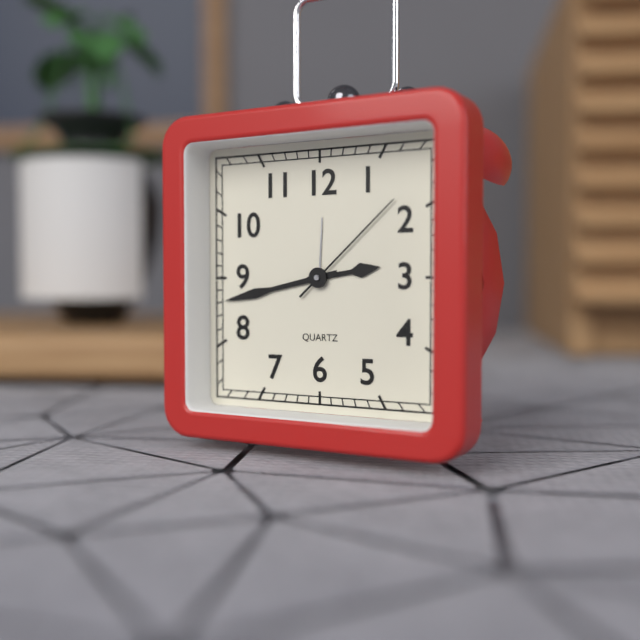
2 h 43 min 08 s
